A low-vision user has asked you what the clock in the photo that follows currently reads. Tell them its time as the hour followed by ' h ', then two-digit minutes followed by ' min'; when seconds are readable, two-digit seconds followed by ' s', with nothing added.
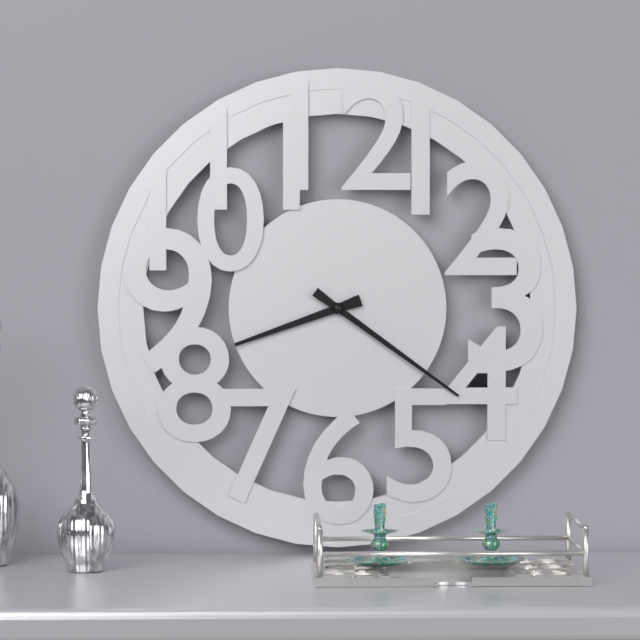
8 h 21 min
